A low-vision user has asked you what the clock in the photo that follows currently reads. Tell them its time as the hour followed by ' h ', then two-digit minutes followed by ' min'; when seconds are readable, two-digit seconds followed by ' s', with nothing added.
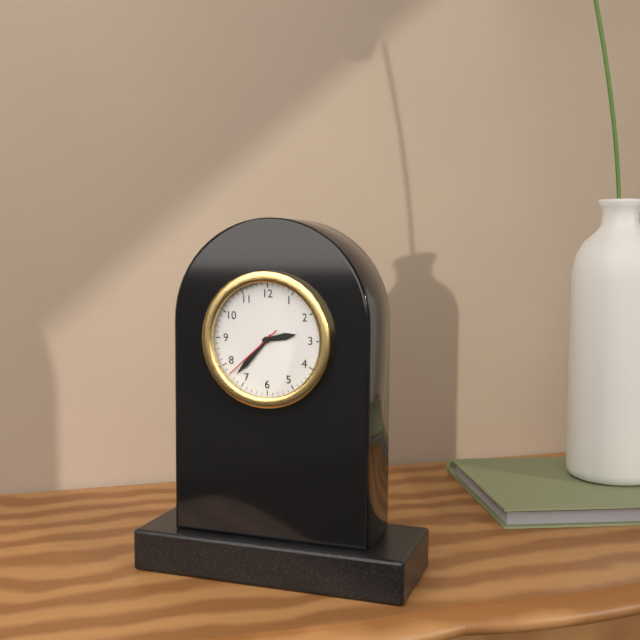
2 h 37 min 38 s
